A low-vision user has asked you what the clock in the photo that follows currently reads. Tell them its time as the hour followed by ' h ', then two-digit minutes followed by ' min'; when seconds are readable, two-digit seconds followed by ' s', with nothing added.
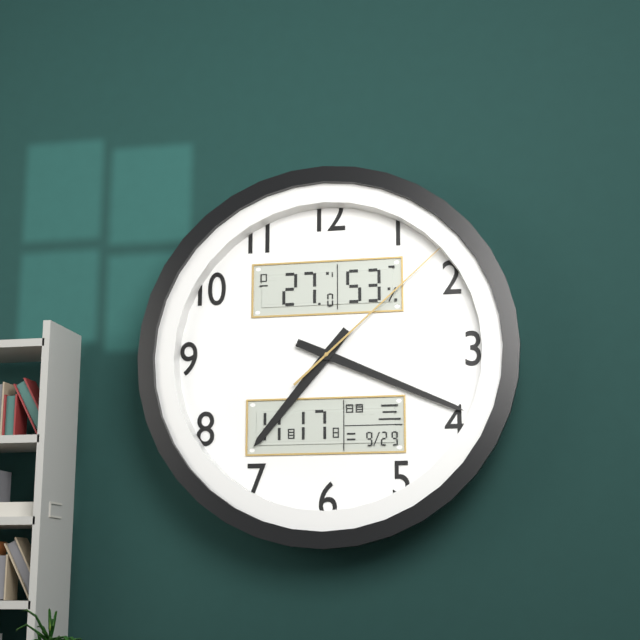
7 h 19 min 08 s
